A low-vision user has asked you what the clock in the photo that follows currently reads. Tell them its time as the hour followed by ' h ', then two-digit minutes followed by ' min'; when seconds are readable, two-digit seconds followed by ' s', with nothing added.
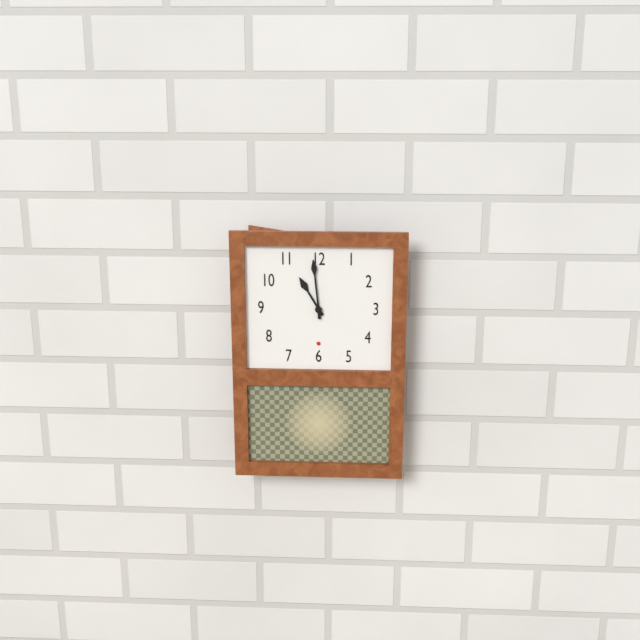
10 h 59 min
